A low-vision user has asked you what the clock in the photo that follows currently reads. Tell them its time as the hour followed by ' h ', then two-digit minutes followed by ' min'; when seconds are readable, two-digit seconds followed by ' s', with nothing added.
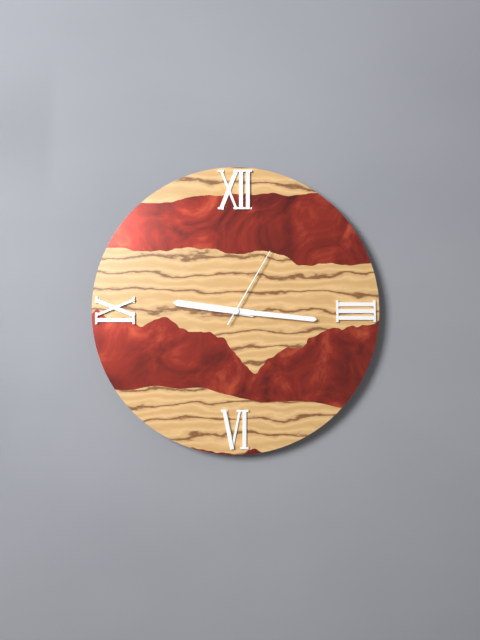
9 h 16 min 05 s
